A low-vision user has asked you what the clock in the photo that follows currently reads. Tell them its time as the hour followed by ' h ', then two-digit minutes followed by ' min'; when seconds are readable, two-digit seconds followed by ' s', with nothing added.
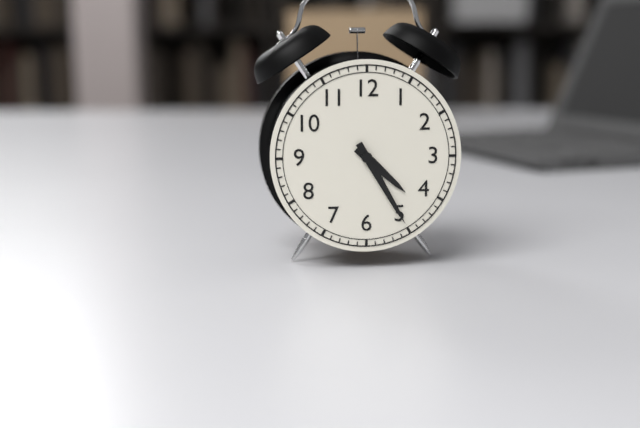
4 h 25 min
